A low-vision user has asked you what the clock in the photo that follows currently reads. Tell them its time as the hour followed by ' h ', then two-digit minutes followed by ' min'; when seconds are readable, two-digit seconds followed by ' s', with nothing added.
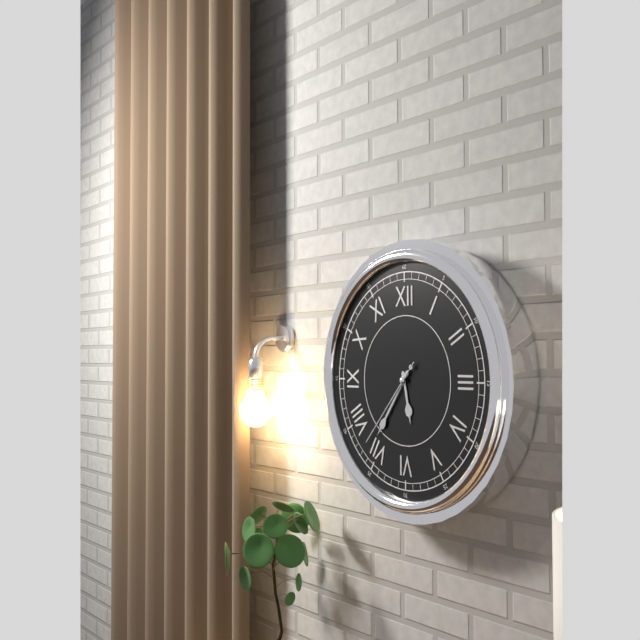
5 h 36 min 37 s
